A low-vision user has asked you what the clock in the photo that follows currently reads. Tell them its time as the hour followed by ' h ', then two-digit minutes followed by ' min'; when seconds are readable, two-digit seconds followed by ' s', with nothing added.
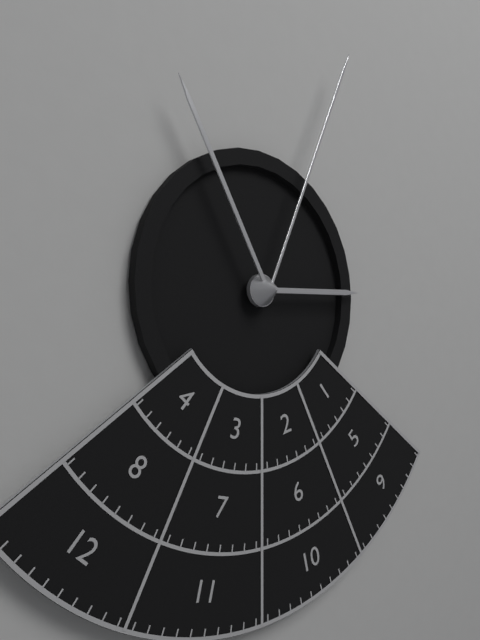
2 h 55 min 04 s
